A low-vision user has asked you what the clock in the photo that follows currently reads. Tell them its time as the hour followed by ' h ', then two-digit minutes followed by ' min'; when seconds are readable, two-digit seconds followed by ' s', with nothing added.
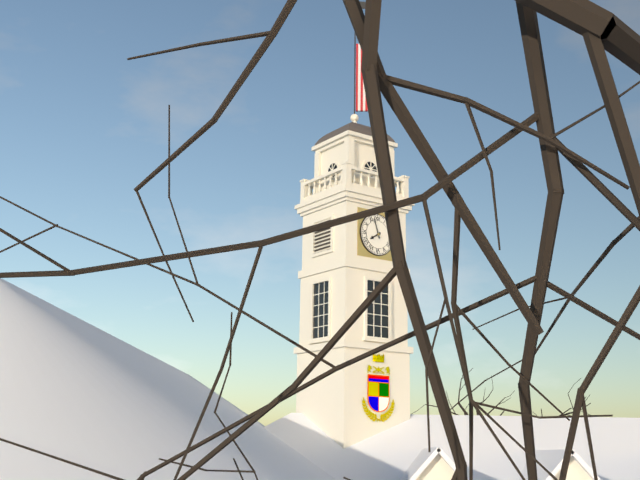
7 h 57 min
